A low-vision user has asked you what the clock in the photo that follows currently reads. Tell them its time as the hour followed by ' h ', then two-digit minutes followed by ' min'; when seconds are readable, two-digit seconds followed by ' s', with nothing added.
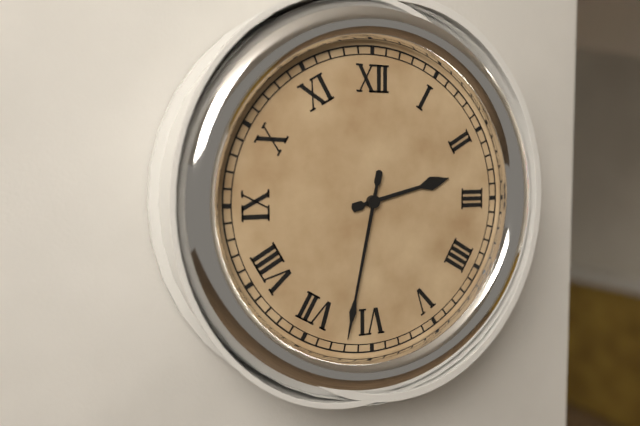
2 h 32 min
